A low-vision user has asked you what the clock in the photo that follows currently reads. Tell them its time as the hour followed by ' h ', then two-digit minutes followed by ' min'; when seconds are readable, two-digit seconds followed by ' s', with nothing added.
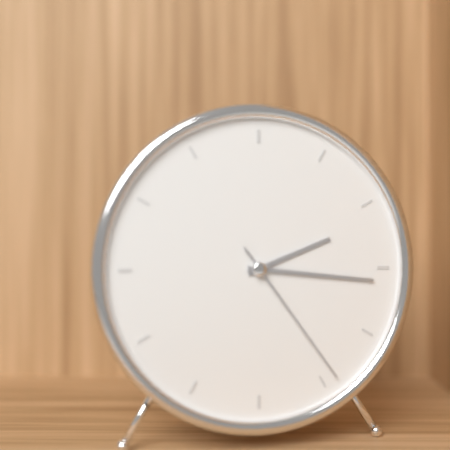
2 h 16 min 24 s
